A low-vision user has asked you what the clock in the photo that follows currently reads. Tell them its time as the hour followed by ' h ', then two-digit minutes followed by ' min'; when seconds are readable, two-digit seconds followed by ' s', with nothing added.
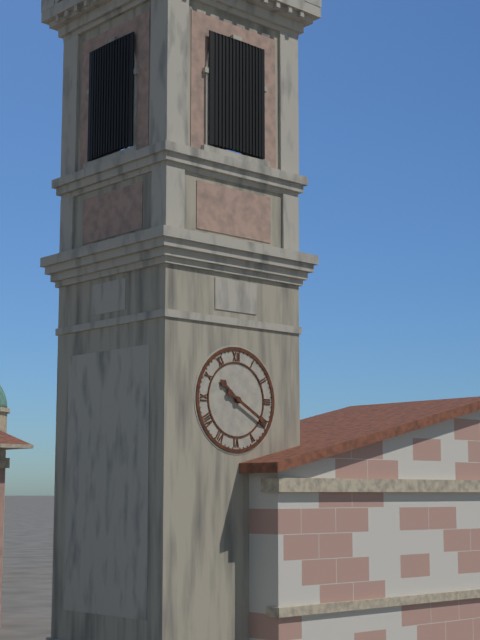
10 h 20 min
